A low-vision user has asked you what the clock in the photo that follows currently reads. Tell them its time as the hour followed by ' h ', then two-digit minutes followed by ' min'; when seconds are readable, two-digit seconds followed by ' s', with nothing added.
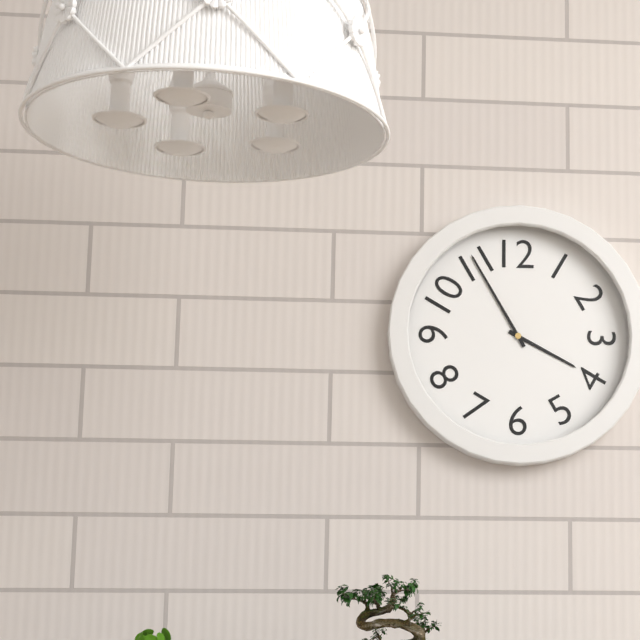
3 h 55 min
